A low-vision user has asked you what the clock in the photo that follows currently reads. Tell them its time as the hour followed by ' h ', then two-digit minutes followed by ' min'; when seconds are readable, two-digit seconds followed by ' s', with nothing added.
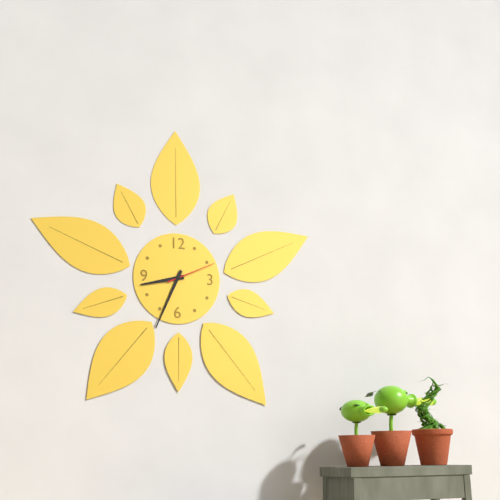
8 h 34 min
